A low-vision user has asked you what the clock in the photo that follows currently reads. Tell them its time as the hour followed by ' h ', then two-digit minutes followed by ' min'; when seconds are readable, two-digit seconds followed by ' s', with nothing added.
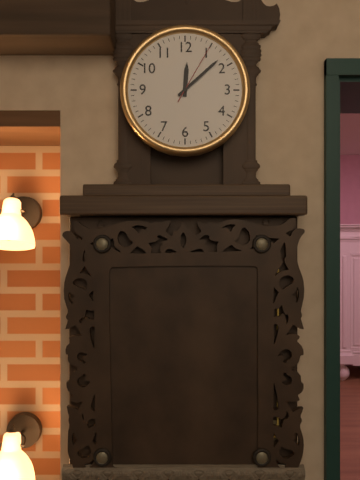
12 h 08 min 05 s
